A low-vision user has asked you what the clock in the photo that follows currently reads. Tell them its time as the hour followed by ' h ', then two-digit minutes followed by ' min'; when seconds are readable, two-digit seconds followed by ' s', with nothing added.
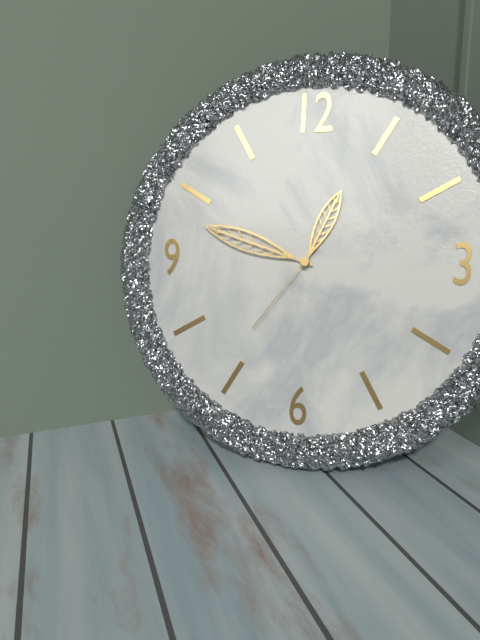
12 h 48 min 36 s
